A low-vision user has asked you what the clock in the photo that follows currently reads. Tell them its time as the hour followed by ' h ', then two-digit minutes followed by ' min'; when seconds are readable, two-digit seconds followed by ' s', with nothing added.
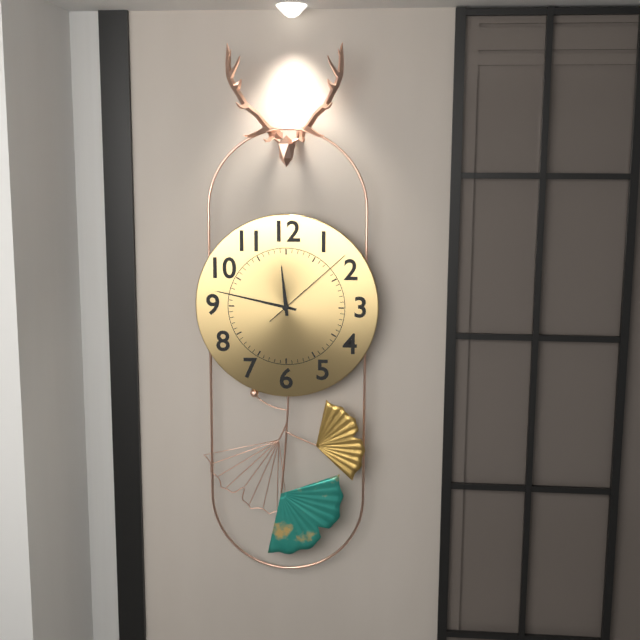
11 h 47 min 08 s
